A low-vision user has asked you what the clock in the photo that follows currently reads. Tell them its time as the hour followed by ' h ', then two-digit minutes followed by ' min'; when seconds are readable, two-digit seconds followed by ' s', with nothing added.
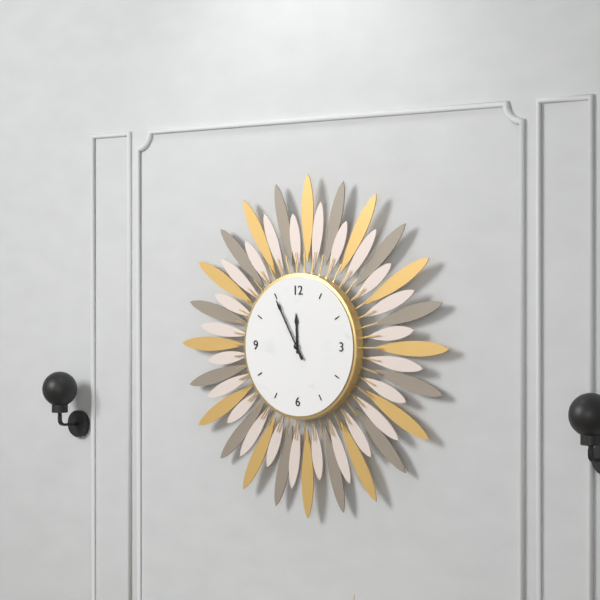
11 h 55 min
